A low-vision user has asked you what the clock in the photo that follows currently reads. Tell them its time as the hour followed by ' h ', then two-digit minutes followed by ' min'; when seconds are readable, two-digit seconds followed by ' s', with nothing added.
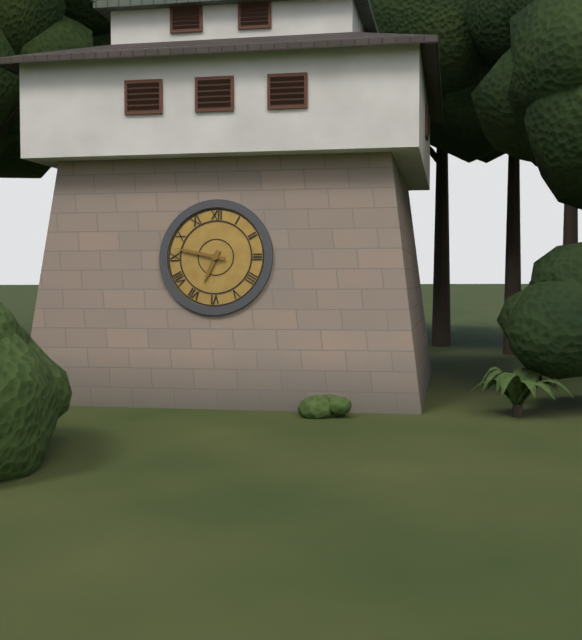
6 h 47 min
